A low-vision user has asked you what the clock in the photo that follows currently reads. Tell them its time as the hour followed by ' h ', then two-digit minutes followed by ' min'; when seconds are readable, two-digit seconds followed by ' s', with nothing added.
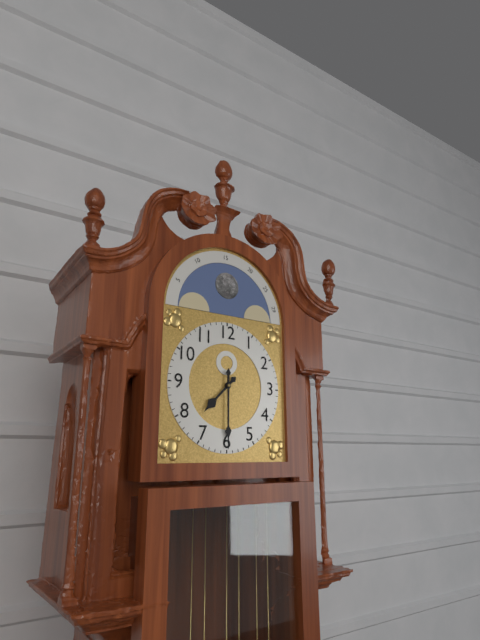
7 h 30 min
